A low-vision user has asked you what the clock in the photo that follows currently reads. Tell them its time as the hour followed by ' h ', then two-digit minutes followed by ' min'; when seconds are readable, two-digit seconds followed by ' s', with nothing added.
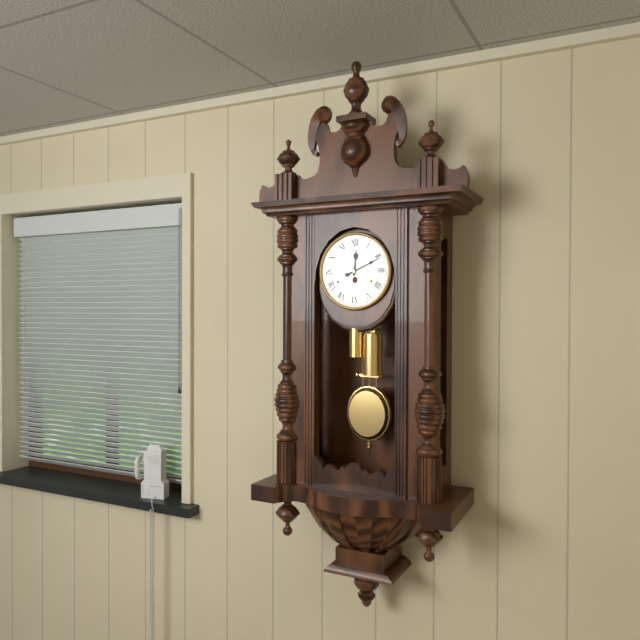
12 h 11 min
